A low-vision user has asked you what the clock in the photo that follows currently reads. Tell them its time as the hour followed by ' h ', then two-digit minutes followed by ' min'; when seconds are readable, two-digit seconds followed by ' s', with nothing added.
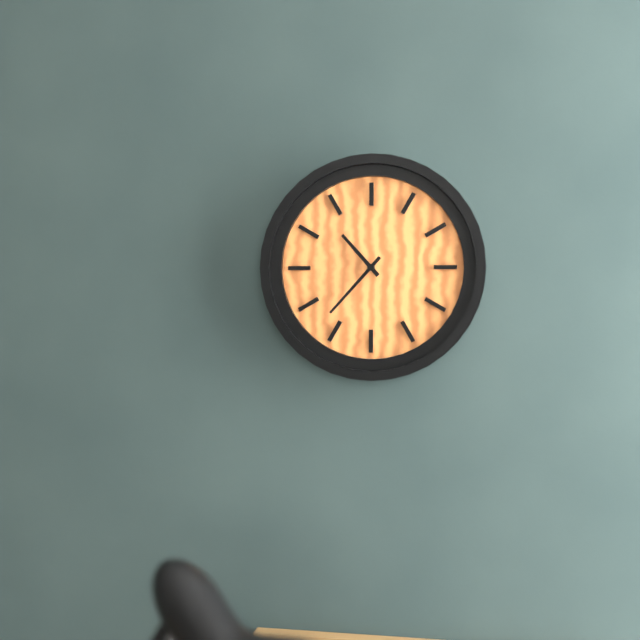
10 h 37 min
